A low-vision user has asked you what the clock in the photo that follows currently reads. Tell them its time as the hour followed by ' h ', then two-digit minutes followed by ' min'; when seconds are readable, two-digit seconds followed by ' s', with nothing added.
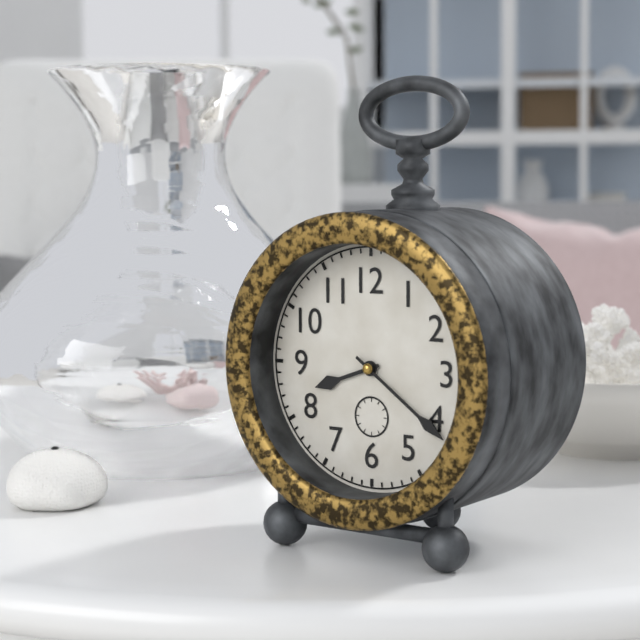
8 h 21 min
